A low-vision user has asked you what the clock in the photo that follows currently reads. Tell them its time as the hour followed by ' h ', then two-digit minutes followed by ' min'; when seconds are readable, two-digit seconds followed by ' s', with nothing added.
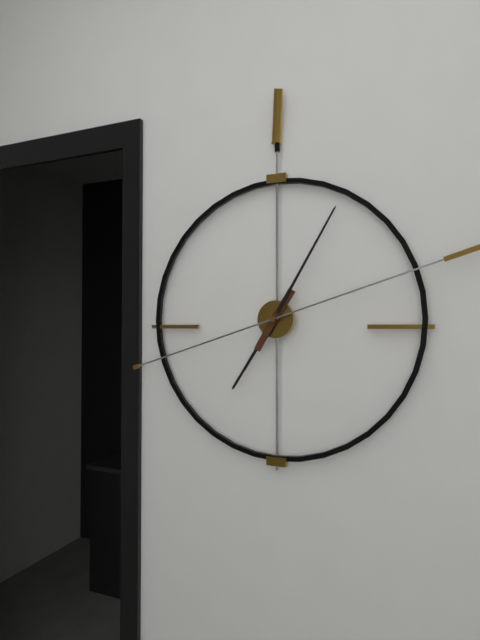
7 h 05 min
